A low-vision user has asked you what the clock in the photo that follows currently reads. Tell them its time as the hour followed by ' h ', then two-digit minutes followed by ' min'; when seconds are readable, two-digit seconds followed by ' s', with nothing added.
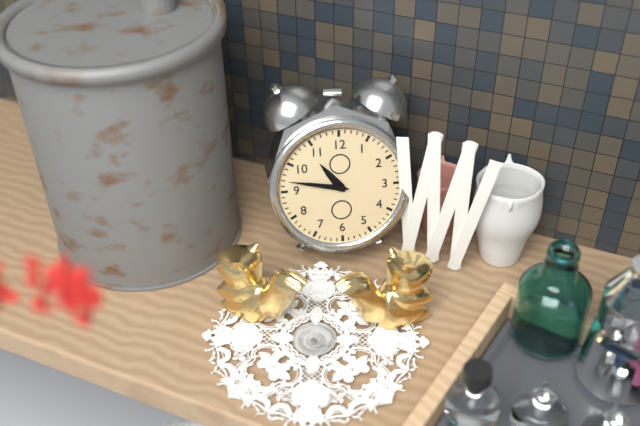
10 h 47 min
